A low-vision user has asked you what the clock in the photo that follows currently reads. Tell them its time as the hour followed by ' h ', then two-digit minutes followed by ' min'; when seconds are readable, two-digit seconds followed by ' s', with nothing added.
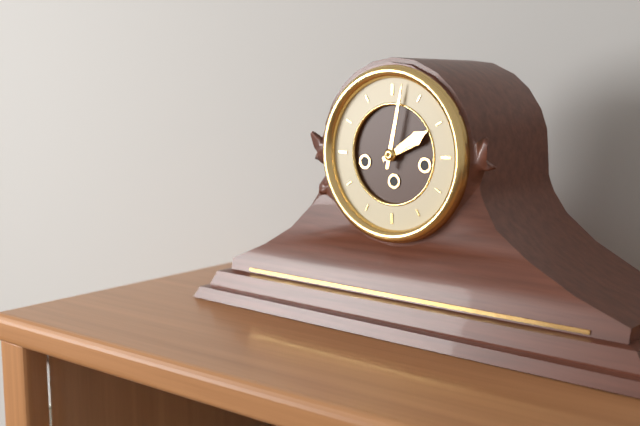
2 h 02 min
